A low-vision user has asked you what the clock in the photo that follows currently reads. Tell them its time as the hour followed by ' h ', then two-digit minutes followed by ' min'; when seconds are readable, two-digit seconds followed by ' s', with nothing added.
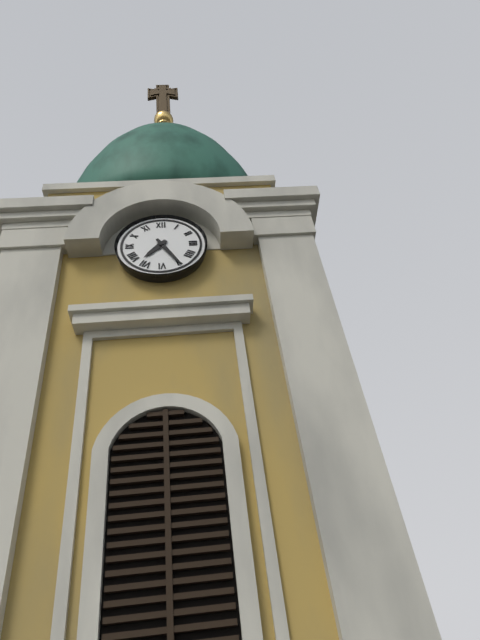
7 h 25 min
